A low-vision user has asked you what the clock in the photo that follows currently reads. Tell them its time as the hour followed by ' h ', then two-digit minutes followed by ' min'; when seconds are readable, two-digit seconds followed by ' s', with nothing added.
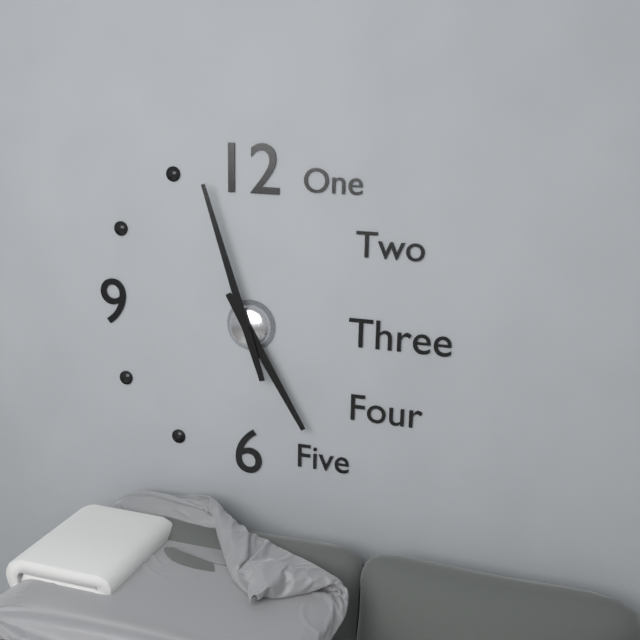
4 h 57 min
